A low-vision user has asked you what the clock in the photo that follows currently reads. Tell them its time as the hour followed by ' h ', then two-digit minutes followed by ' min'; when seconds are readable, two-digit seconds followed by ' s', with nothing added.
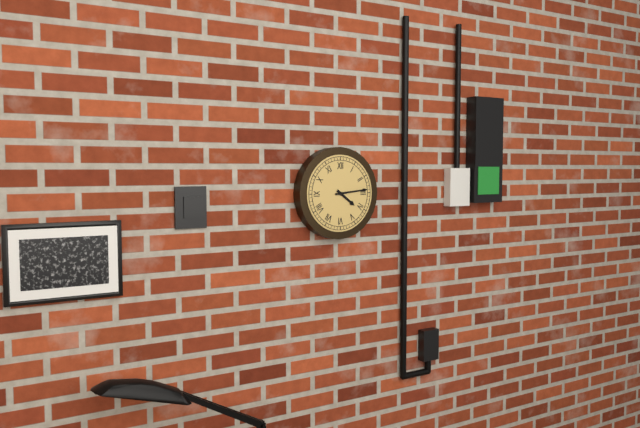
4 h 14 min
